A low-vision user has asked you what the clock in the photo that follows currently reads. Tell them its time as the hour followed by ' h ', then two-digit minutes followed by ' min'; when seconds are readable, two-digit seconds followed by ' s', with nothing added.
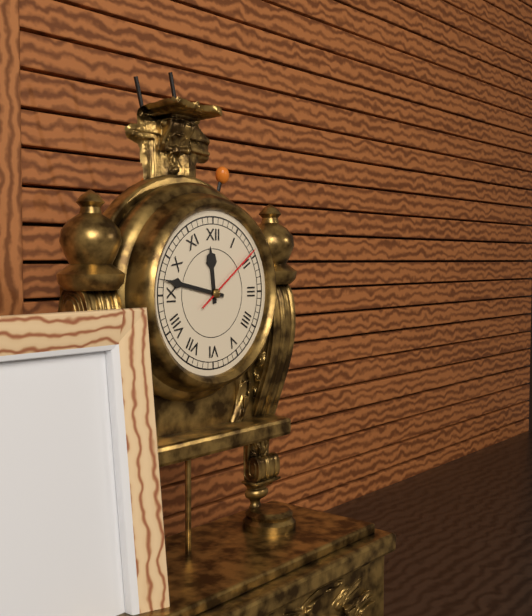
11 h 47 min 09 s
